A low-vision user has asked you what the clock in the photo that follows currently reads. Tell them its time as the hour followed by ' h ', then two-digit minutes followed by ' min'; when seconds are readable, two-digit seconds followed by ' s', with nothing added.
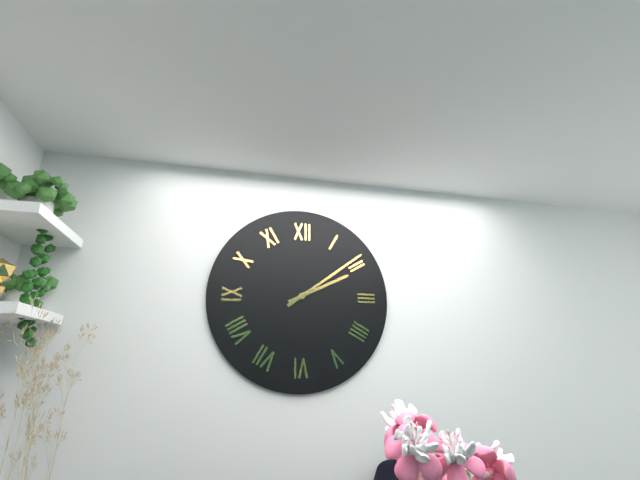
2 h 09 min
